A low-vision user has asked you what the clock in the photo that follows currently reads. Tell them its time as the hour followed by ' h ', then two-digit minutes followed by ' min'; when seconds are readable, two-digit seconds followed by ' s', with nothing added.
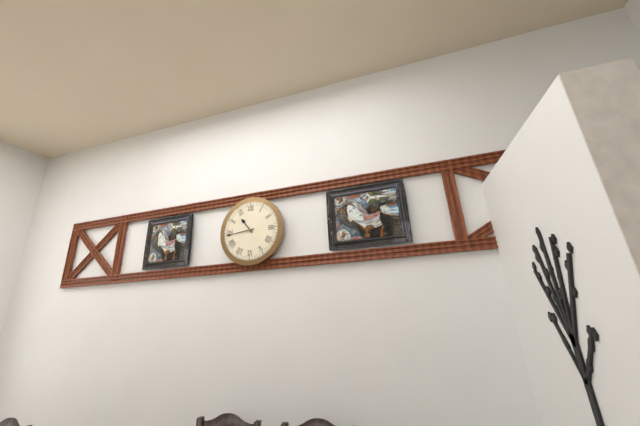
10 h 44 min
